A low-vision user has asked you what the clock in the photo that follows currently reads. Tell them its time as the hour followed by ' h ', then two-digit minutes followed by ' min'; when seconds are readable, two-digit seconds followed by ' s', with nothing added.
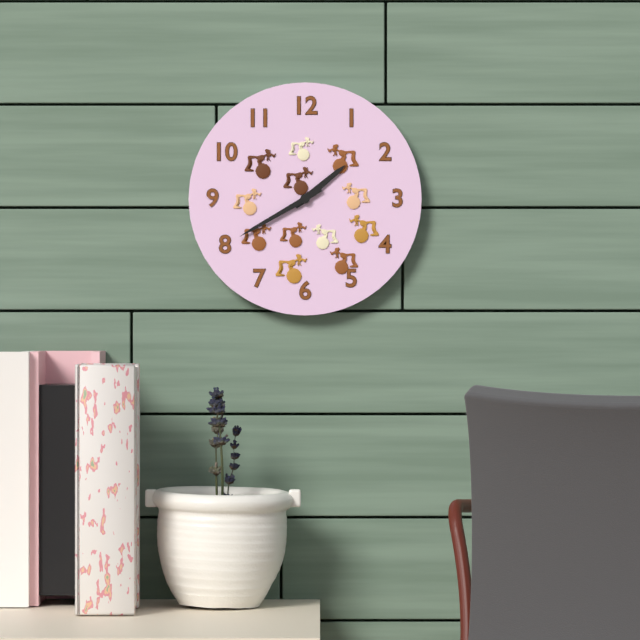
1 h 40 min
